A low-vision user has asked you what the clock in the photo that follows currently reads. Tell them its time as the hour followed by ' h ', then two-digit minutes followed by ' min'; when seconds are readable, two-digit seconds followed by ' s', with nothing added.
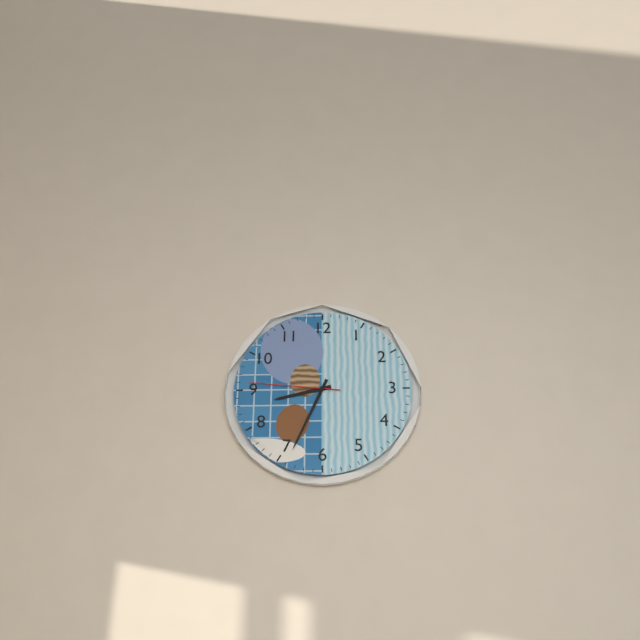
8 h 34 min 46 s
